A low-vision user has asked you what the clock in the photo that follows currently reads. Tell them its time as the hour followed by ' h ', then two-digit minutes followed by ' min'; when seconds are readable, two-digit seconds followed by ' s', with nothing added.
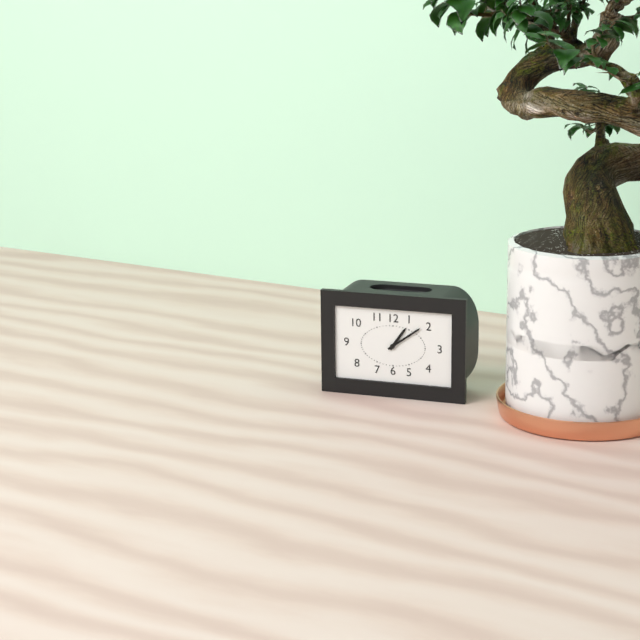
1 h 09 min
